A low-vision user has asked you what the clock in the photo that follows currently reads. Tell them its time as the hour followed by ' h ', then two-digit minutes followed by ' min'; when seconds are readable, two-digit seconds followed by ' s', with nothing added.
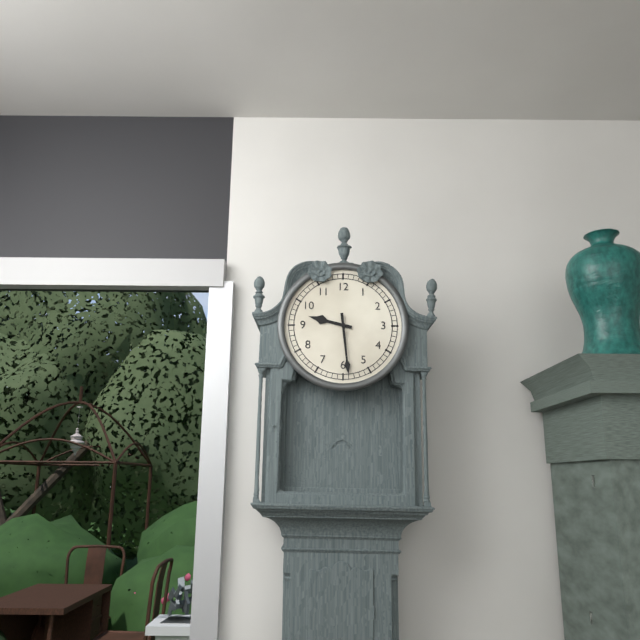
9 h 29 min
